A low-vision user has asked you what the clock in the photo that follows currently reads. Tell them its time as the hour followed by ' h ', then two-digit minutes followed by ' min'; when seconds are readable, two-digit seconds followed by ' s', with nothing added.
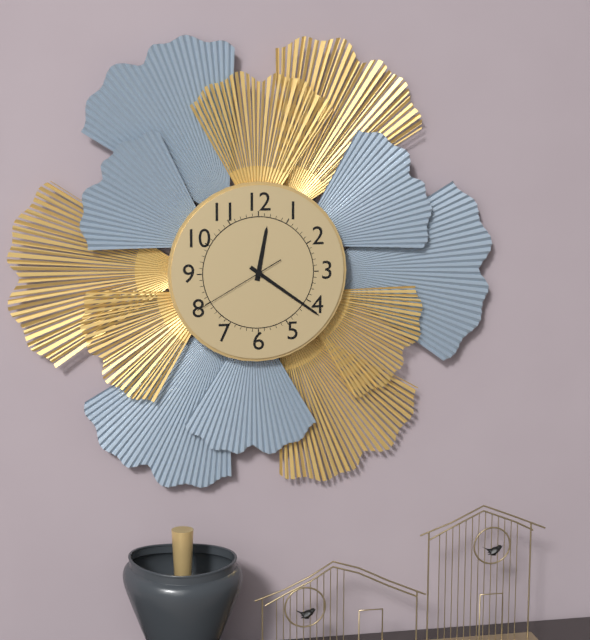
12 h 21 min 40 s
